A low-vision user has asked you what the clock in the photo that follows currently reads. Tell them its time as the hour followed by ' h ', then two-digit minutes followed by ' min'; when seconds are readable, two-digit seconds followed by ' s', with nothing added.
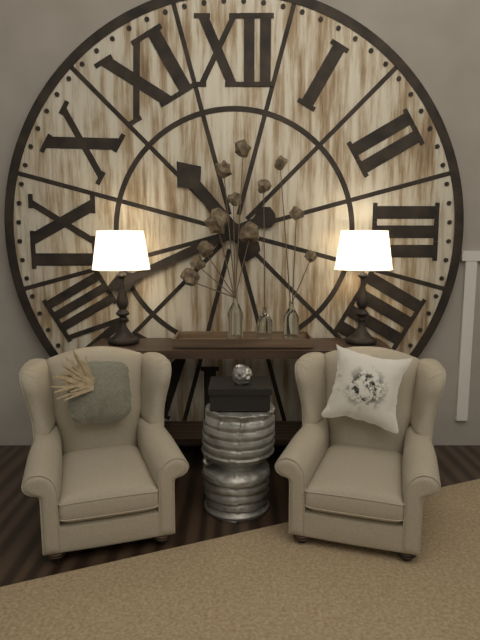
10 h 41 min
